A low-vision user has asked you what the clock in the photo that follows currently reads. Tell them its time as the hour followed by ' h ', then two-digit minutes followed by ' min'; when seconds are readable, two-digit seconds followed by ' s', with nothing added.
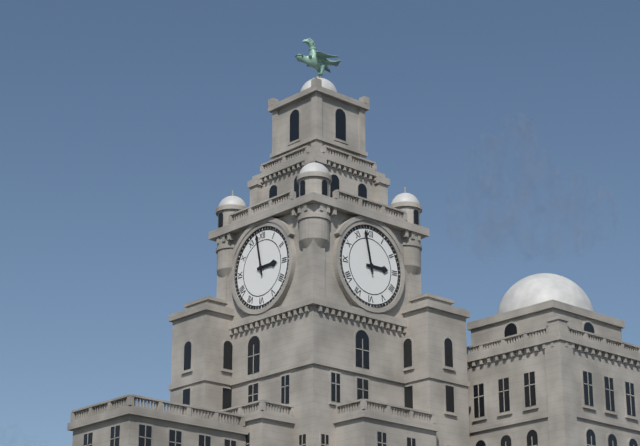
2 h 58 min
